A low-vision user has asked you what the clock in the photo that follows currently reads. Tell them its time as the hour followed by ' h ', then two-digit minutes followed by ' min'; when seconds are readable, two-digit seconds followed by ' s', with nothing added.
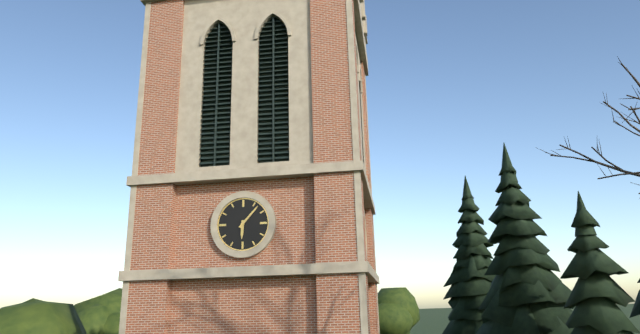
6 h 07 min
